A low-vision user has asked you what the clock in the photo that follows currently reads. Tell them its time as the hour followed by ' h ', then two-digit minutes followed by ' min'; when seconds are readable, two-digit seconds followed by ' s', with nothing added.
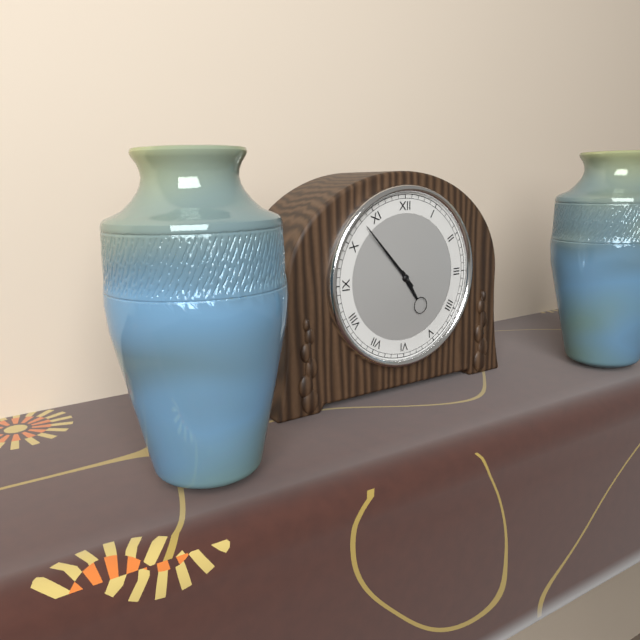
4 h 53 min
